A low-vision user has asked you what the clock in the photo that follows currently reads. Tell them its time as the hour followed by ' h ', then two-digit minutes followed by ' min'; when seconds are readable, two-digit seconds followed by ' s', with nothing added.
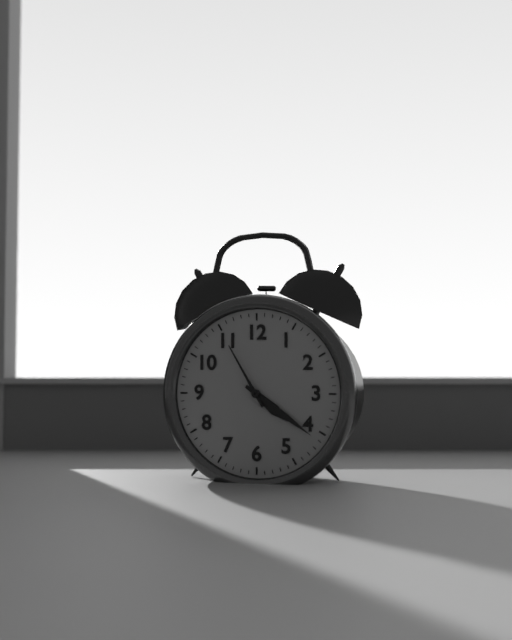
4 h 21 min 55 s
